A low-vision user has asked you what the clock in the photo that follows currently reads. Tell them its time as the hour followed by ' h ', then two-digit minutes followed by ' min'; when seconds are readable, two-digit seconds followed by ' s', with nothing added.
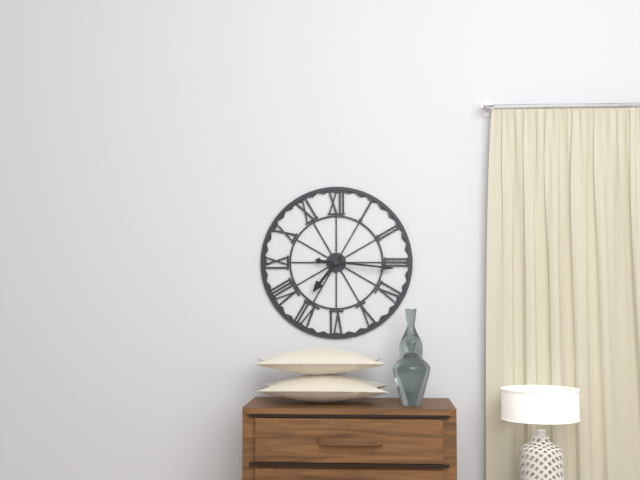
7 h 16 min
